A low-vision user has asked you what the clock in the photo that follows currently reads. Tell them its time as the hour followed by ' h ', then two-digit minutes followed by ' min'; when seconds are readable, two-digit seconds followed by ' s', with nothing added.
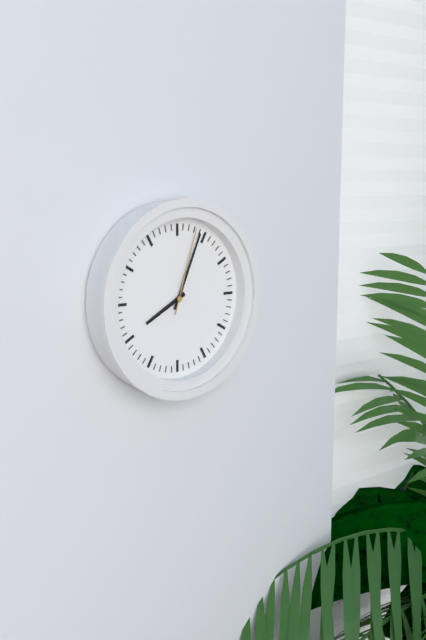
8 h 04 min 03 s
